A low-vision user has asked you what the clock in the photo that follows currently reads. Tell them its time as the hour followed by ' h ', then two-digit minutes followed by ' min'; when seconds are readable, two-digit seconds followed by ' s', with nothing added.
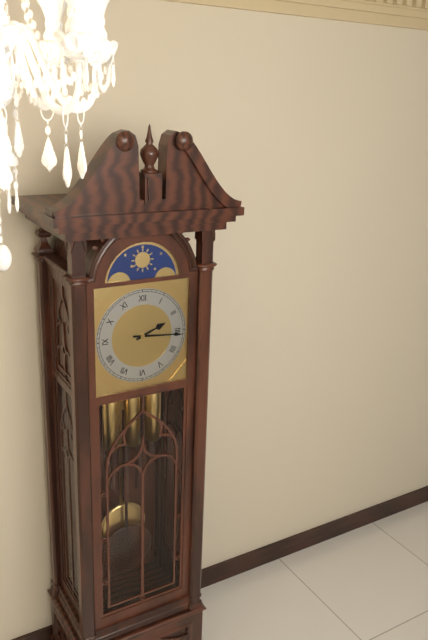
2 h 16 min
